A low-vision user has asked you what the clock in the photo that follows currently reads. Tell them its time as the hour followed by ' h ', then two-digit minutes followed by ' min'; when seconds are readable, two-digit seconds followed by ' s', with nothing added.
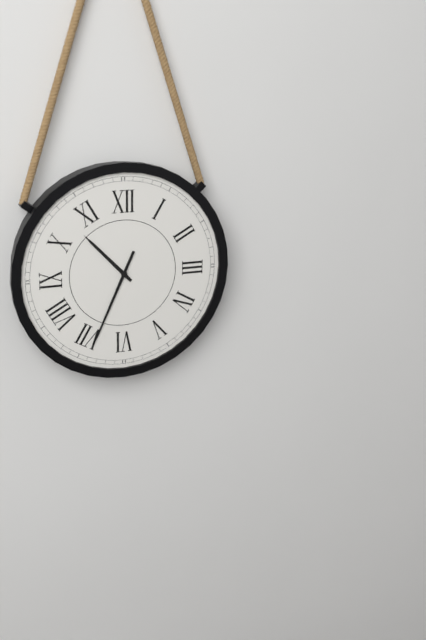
10 h 34 min
